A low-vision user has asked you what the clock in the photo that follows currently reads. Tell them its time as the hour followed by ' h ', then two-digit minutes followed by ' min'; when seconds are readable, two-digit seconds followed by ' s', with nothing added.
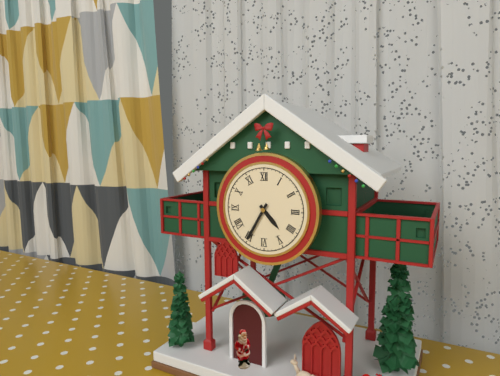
4 h 35 min
